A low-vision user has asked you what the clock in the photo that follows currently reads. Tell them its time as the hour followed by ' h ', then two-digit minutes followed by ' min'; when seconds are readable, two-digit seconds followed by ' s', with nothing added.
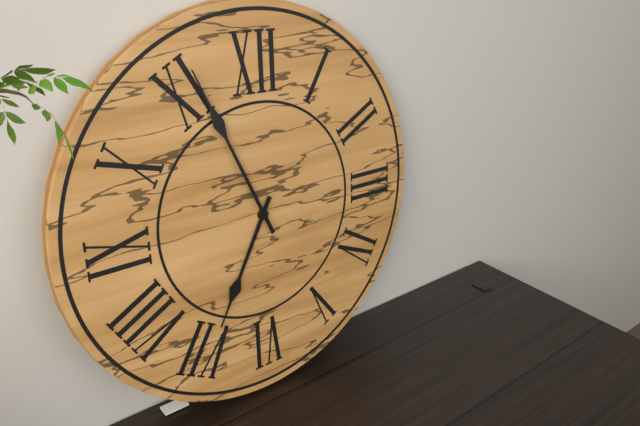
6 h 56 min
